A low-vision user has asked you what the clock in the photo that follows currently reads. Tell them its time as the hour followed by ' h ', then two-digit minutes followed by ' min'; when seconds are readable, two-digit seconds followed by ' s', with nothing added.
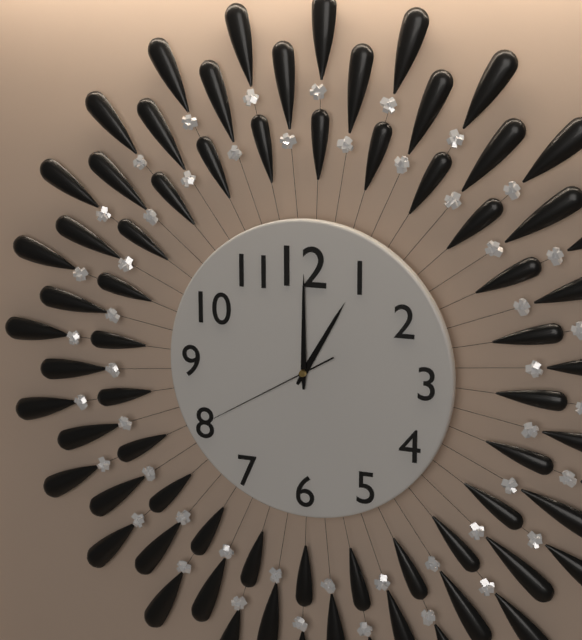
1 h 00 min 40 s
